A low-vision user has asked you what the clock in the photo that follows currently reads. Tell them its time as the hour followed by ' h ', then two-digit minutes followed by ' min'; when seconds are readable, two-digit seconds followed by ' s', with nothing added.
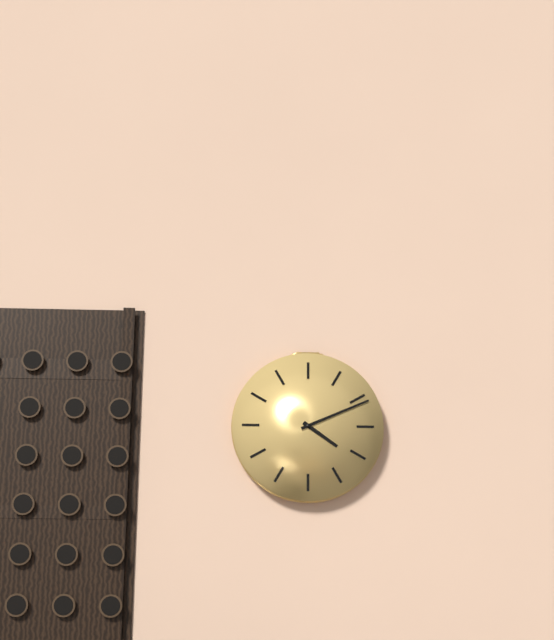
4 h 11 min
